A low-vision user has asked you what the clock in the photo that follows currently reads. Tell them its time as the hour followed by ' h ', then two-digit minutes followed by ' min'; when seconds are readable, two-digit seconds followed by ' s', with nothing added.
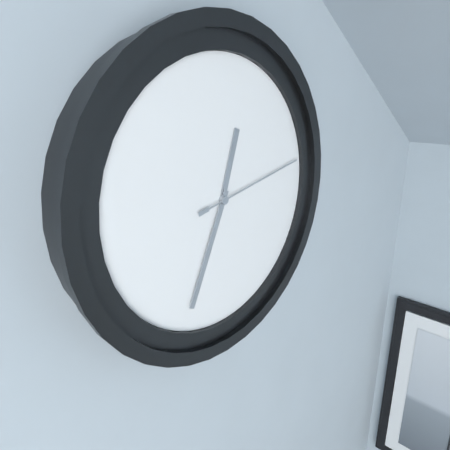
12 h 34 min 13 s
